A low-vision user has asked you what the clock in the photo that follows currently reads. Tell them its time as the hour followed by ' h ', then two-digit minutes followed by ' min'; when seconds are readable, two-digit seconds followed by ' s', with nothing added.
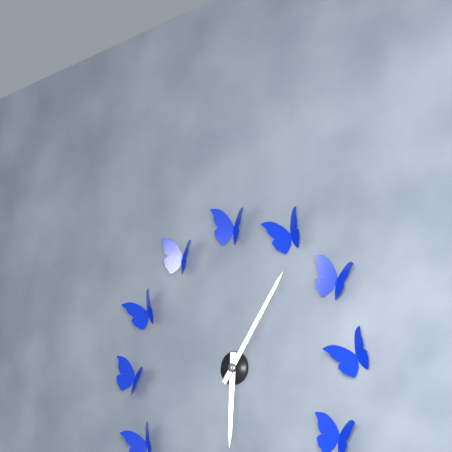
6 h 06 min
